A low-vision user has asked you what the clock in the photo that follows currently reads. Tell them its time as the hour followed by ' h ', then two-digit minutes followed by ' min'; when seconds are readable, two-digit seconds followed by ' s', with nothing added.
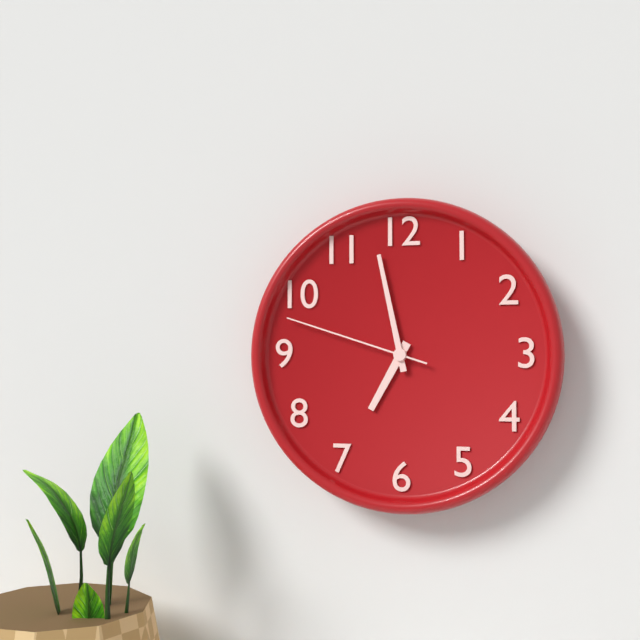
6 h 58 min 48 s
